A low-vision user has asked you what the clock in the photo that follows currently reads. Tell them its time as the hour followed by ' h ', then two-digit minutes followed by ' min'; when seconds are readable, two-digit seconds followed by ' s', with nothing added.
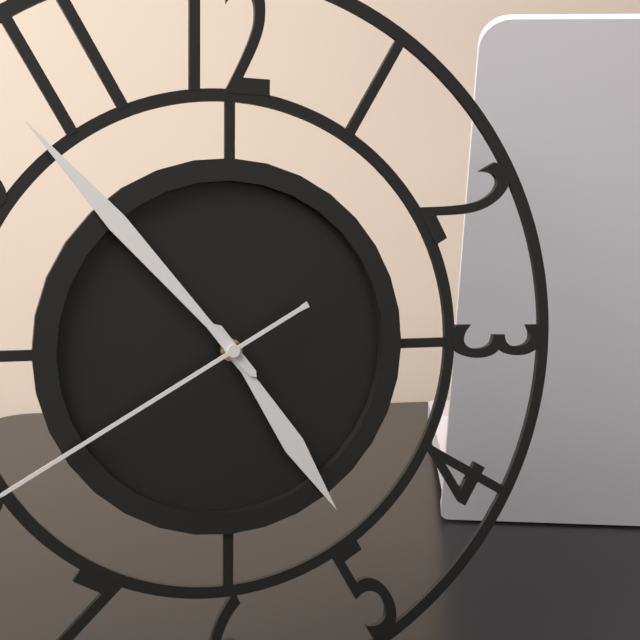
4 h 53 min
